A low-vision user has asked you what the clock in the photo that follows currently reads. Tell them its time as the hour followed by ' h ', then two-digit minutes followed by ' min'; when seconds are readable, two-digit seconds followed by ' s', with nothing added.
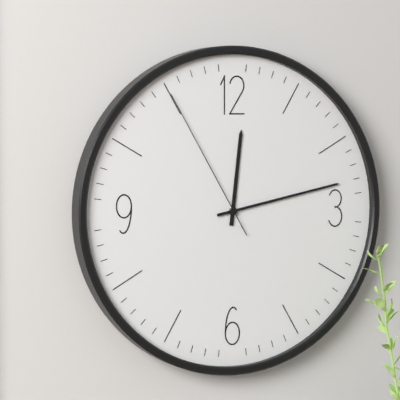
12 h 13 min 55 s
